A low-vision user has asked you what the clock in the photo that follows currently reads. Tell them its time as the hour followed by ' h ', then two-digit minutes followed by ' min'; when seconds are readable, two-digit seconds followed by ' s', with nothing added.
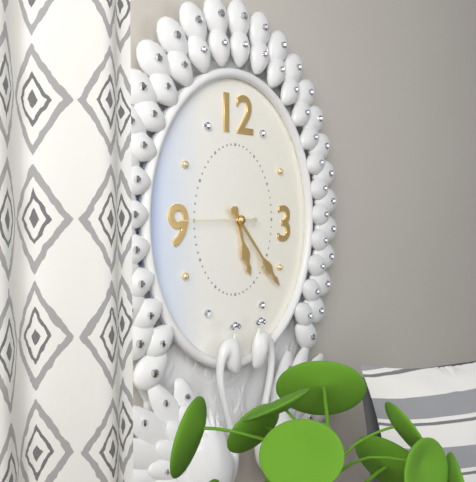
5 h 23 min 45 s
